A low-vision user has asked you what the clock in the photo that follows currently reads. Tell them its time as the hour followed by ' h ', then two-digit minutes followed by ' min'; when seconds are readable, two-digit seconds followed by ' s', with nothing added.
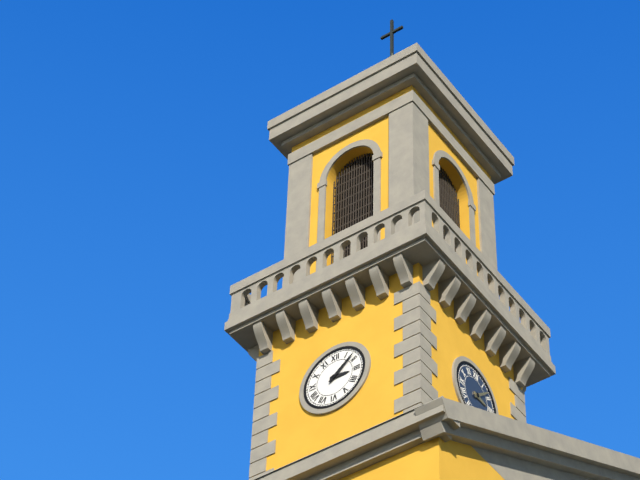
3 h 08 min
